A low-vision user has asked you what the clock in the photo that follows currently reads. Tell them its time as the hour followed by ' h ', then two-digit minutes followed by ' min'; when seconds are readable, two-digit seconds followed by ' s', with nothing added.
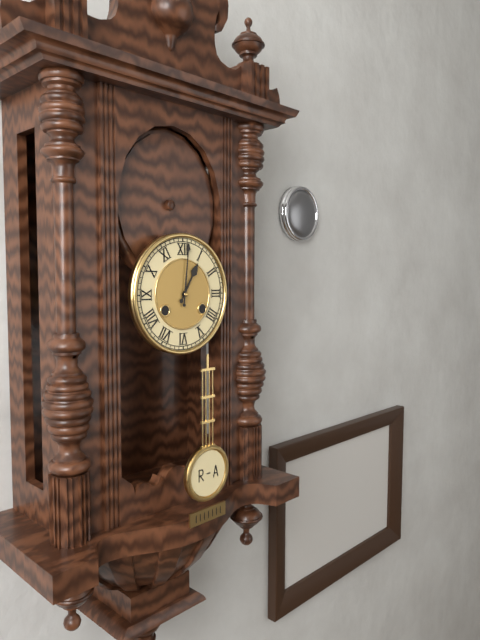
1 h 01 min
